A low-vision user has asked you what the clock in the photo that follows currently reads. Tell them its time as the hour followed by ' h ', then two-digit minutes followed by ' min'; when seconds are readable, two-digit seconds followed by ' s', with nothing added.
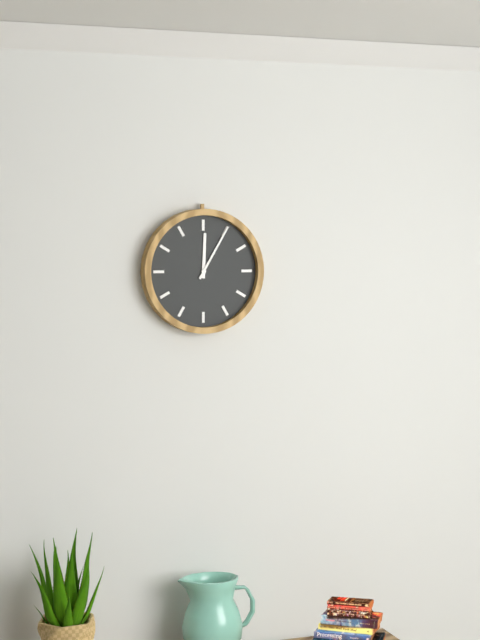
12 h 05 min
